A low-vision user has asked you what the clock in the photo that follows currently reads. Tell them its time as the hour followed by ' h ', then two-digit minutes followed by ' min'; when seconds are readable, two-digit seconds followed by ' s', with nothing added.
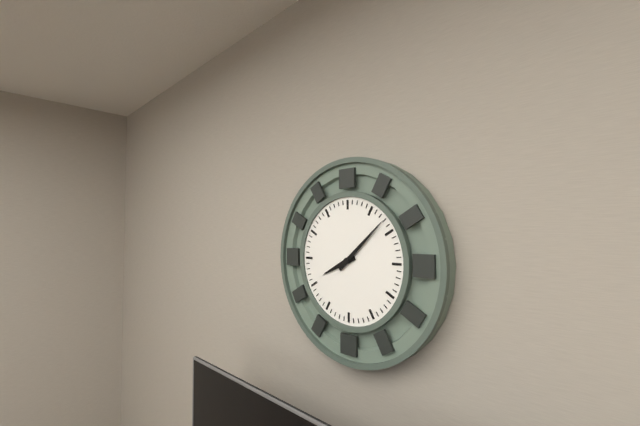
8 h 08 min
